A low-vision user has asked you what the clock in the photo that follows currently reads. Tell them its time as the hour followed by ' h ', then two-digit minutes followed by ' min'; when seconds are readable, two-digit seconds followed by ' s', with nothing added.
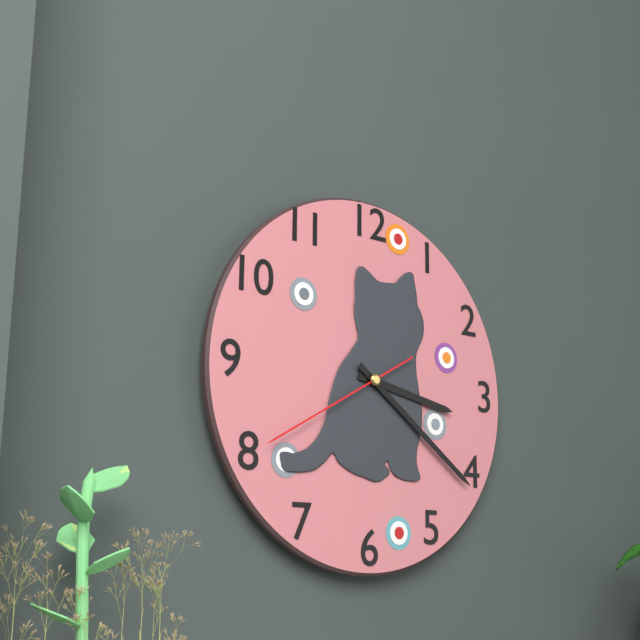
3 h 21 min 40 s
